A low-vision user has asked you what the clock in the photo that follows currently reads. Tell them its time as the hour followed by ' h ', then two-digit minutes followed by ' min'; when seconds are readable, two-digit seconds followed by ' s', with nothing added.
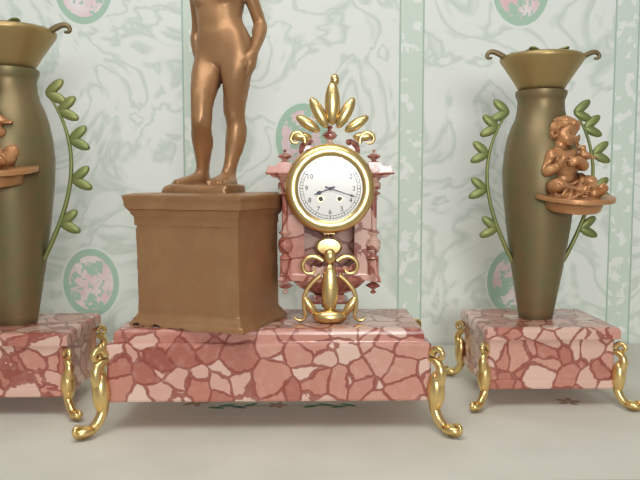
8 h 18 min
